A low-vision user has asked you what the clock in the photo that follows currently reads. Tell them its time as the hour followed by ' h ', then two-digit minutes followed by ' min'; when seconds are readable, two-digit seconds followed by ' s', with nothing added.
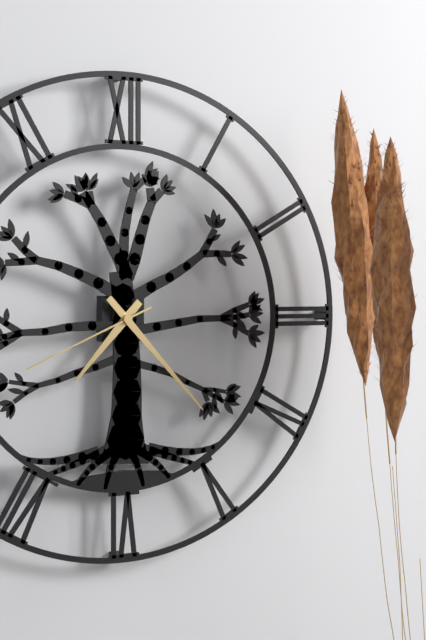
7 h 23 min 41 s
